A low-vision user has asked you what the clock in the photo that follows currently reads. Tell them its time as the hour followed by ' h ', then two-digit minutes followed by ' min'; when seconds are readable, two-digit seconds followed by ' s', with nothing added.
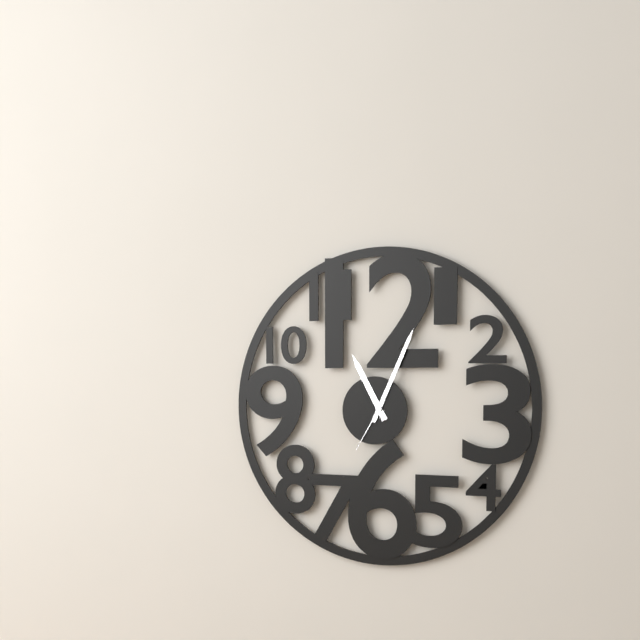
11 h 04 min 35 s
